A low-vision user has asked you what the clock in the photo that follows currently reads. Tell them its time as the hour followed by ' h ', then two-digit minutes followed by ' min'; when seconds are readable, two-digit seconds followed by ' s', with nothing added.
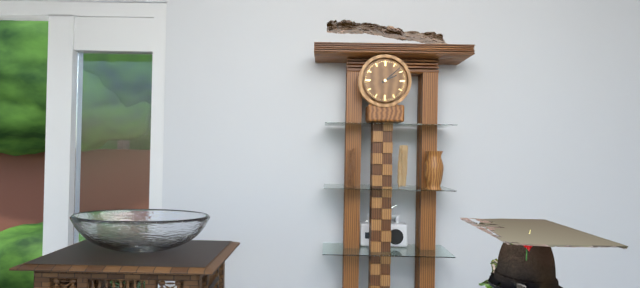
2 h 08 min
